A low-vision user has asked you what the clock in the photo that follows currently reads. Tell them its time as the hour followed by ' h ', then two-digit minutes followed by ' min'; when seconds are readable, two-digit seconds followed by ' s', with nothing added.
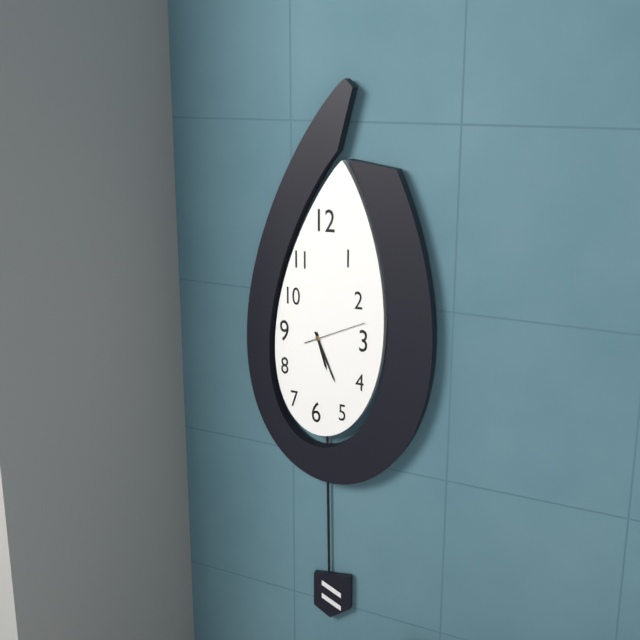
5 h 26 min 11 s
